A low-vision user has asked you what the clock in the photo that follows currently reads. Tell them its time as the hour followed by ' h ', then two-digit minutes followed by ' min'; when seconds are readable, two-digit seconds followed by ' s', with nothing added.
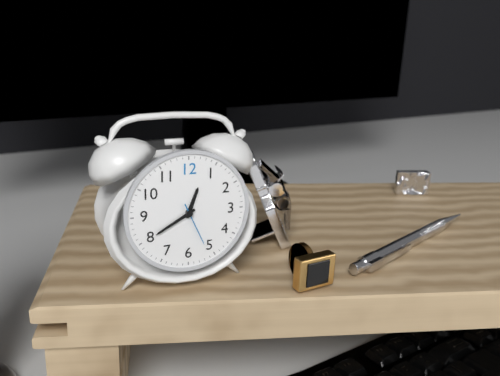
12 h 40 min
